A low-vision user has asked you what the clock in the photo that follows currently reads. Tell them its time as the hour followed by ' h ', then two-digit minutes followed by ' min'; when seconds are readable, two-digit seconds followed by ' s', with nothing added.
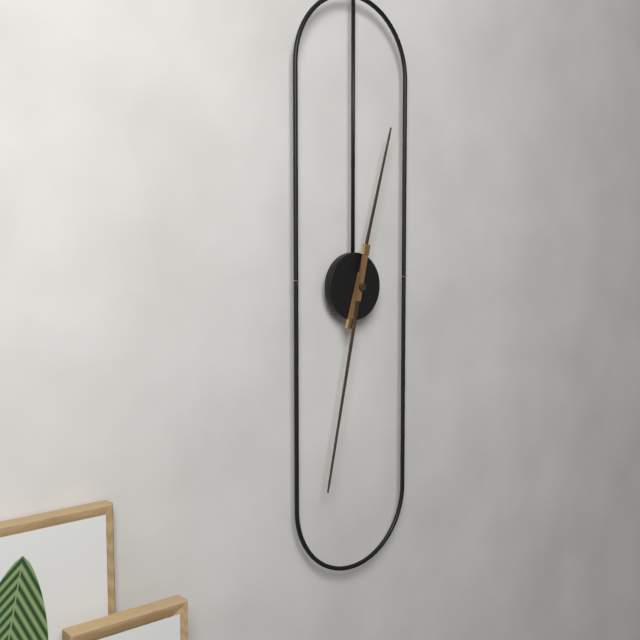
12 h 32 min
